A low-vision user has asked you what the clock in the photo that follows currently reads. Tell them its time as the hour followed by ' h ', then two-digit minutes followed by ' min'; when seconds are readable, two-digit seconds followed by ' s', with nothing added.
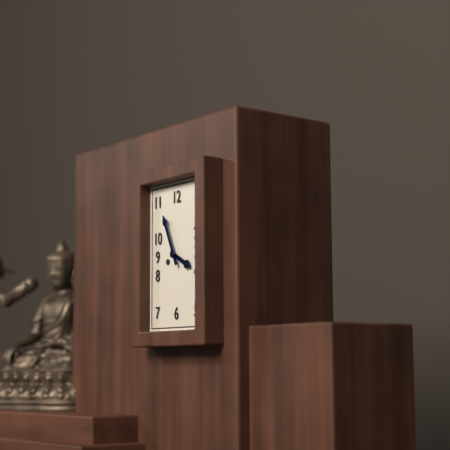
3 h 56 min
